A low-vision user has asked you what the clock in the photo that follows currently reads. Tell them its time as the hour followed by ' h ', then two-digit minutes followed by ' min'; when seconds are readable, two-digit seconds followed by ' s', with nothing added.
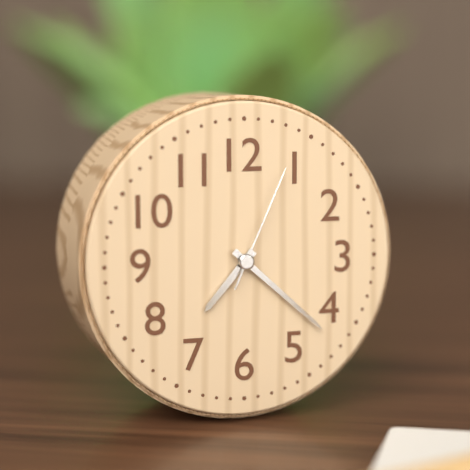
7 h 22 min 04 s
